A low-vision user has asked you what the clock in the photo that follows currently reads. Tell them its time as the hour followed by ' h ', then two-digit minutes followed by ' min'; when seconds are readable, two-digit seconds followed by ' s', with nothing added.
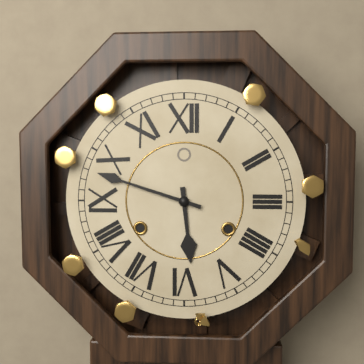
5 h 48 min
